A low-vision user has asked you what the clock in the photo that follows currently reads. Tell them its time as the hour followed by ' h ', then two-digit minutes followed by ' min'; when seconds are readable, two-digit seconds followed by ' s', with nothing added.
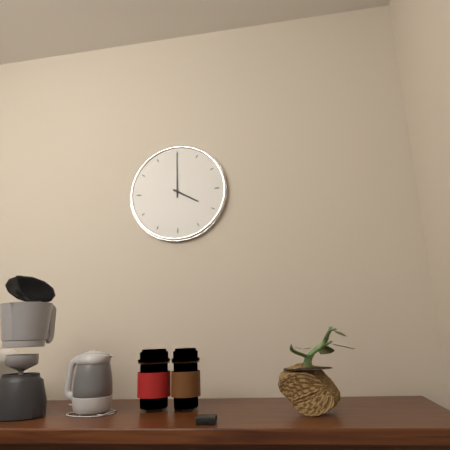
4 h 00 min
